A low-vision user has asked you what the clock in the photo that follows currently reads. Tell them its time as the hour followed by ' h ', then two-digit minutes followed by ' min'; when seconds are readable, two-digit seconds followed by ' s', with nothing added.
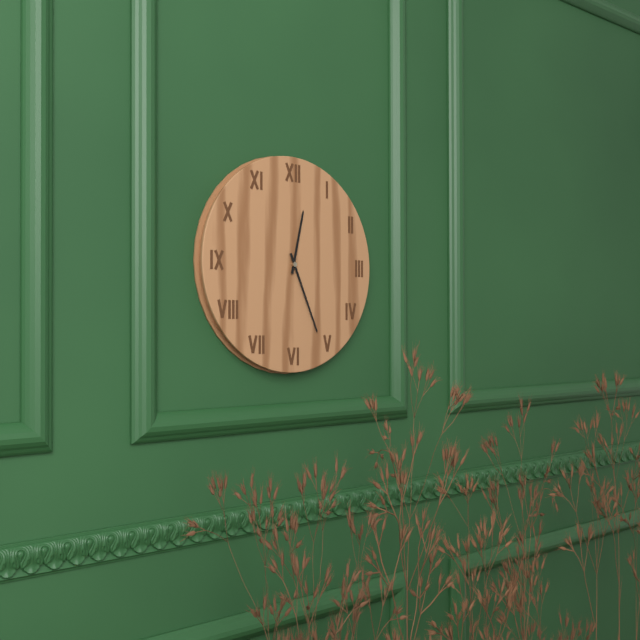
12 h 26 min
